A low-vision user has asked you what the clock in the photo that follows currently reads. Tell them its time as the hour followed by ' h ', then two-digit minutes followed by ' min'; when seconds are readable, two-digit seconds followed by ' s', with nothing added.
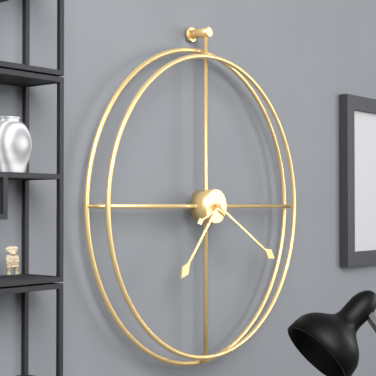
7 h 20 min
